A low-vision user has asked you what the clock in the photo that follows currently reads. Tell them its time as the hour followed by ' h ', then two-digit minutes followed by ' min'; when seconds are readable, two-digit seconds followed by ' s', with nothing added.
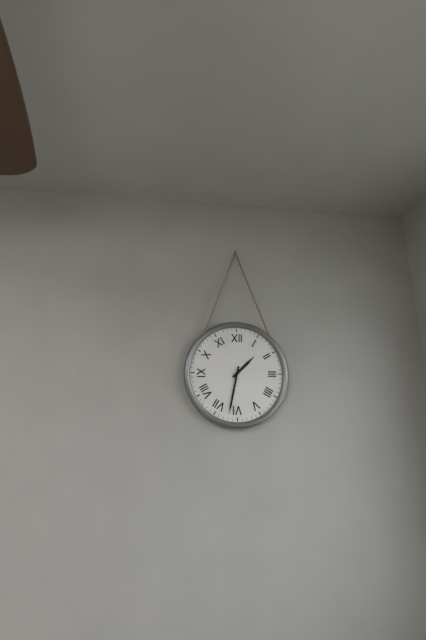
1 h 32 min
